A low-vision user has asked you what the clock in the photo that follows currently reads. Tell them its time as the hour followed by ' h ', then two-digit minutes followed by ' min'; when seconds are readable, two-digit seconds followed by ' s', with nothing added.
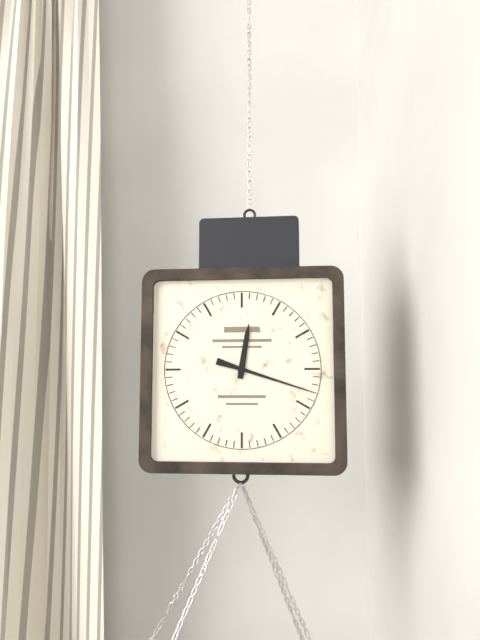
12 h 18 min
